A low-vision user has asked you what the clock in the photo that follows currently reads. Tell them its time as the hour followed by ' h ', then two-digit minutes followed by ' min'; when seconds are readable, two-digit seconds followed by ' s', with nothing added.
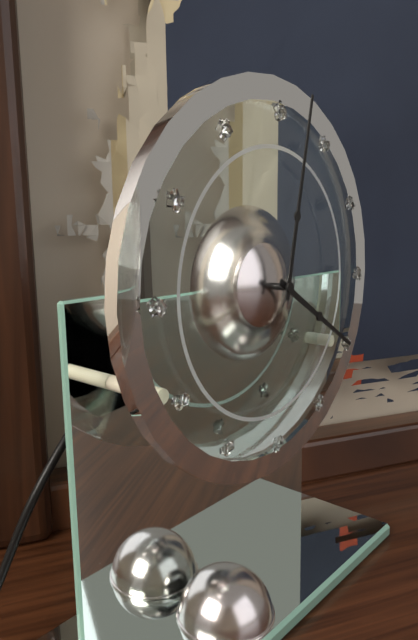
4 h 02 min
